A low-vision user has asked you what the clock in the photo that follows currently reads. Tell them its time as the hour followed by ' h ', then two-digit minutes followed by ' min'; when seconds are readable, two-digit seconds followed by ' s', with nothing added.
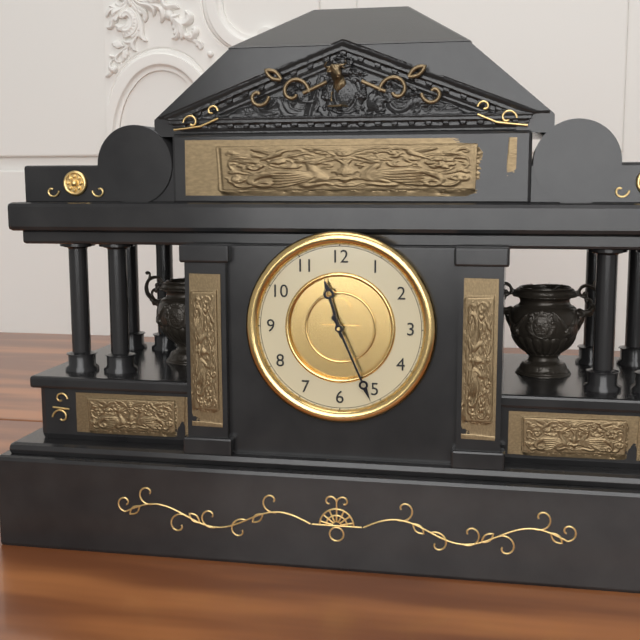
11 h 26 min
